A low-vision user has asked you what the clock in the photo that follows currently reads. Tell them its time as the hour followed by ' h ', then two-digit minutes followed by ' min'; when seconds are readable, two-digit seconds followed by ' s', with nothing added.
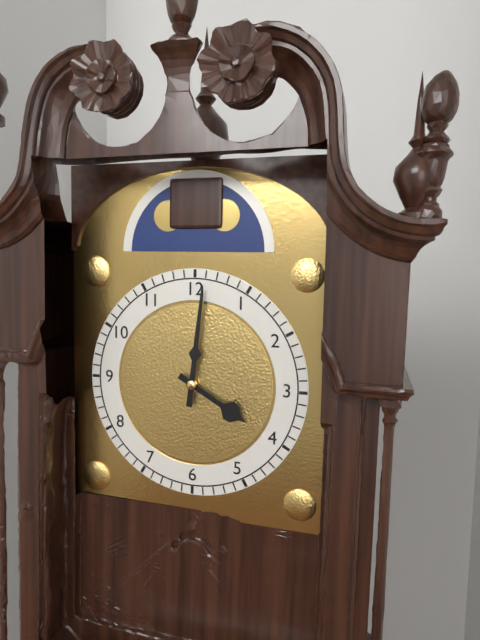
4 h 01 min
